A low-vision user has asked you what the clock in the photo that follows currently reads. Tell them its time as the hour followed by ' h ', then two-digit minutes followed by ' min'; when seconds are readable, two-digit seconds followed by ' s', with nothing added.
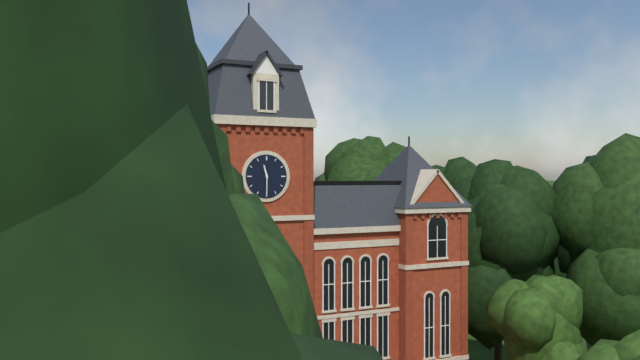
11 h 30 min
